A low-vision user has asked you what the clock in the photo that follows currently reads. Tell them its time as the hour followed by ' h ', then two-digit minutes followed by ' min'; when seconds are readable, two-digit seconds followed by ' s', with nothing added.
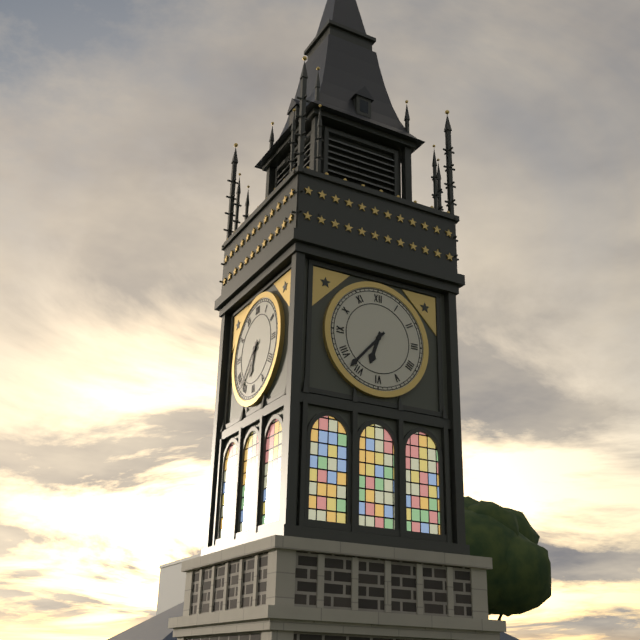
6 h 37 min
